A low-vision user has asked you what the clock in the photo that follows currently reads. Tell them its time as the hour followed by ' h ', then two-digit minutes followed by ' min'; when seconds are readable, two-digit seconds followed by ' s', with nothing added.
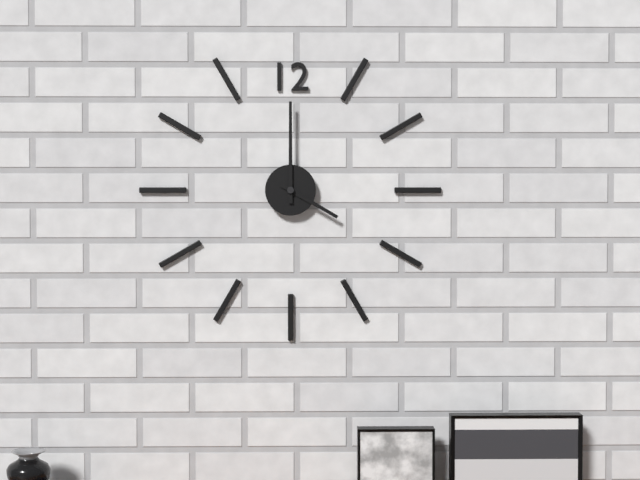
4 h 00 min
